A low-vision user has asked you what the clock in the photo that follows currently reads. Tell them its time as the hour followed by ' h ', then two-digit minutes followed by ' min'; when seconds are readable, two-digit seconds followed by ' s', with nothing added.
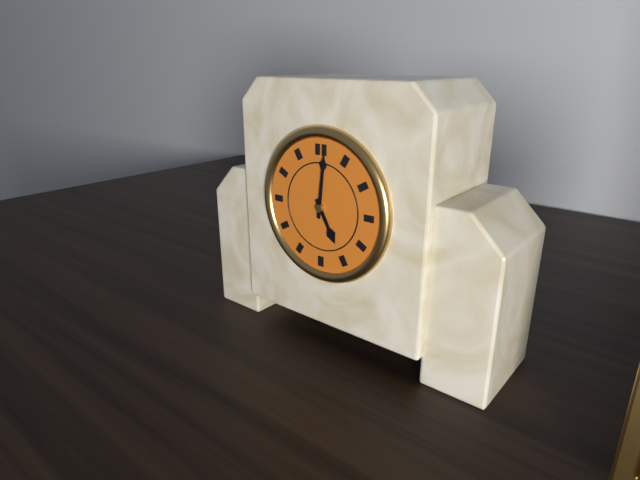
5 h 01 min
